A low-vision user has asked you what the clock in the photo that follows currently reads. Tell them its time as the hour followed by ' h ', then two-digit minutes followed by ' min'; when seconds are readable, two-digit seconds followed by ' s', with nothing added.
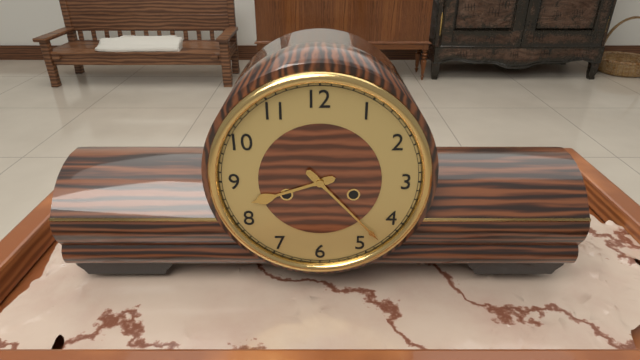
8 h 23 min
